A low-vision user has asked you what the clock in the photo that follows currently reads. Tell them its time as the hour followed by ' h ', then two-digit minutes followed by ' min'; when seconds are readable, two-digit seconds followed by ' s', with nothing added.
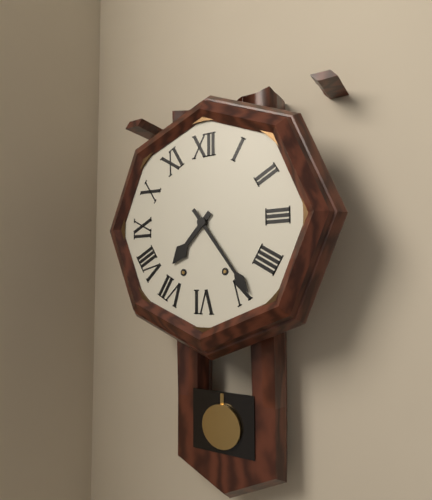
7 h 24 min
